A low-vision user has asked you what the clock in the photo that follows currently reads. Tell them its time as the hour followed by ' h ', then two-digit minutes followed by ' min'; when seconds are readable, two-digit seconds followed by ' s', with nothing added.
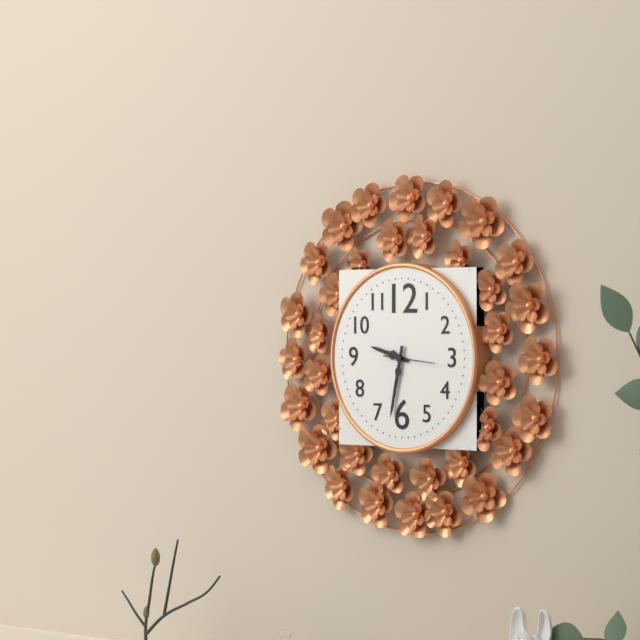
9 h 32 min
